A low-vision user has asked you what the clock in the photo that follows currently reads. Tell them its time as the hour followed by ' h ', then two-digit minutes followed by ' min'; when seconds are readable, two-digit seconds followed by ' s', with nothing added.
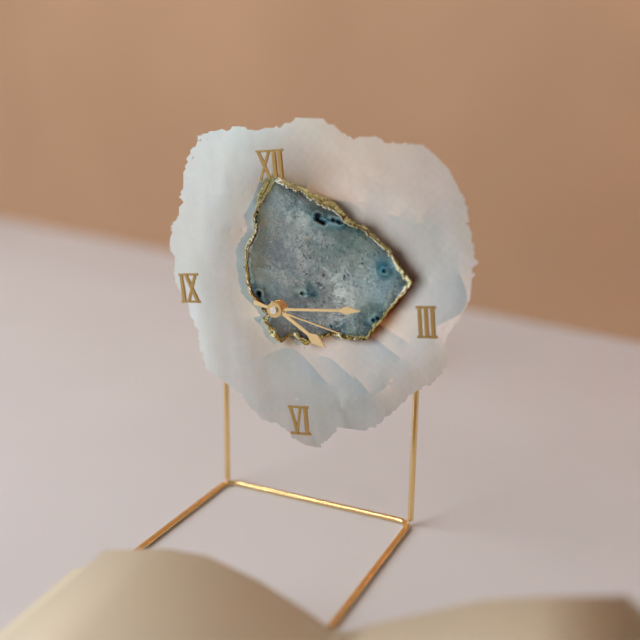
4 h 15 min 18 s
